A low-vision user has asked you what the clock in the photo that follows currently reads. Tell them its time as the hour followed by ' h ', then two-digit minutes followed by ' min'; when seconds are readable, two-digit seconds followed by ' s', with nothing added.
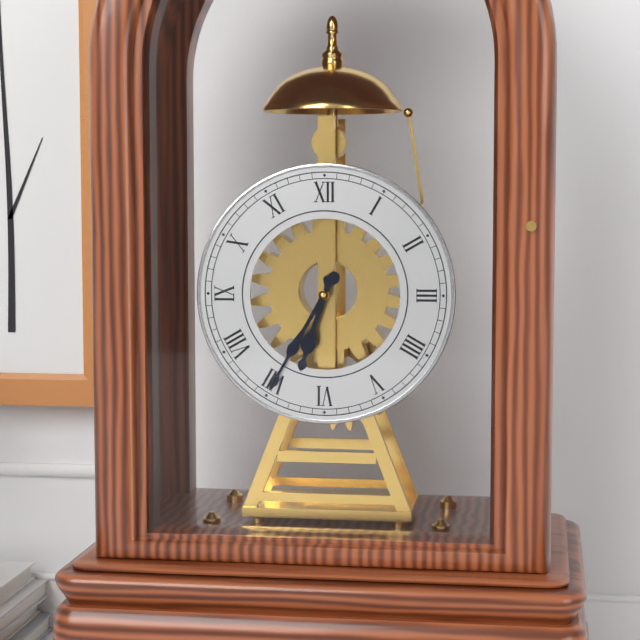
6 h 35 min
